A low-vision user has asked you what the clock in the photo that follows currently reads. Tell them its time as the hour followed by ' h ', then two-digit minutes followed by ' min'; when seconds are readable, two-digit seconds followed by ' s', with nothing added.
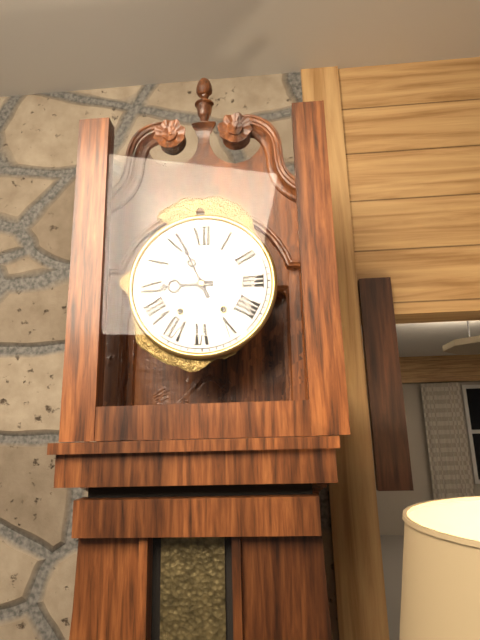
8 h 56 min
